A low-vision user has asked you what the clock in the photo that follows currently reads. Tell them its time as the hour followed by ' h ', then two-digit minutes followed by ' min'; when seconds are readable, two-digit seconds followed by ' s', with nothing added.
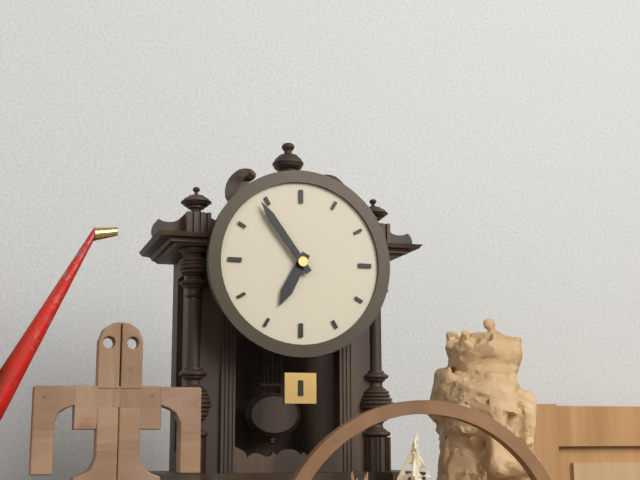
6 h 54 min
